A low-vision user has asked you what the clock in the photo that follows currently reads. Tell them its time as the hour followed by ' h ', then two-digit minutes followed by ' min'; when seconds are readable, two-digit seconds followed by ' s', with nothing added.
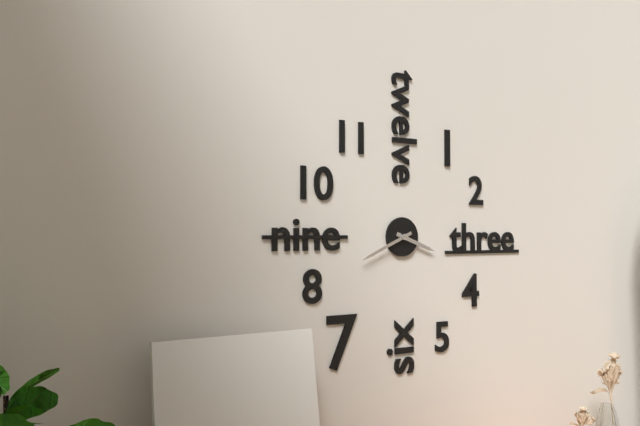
3 h 41 min
